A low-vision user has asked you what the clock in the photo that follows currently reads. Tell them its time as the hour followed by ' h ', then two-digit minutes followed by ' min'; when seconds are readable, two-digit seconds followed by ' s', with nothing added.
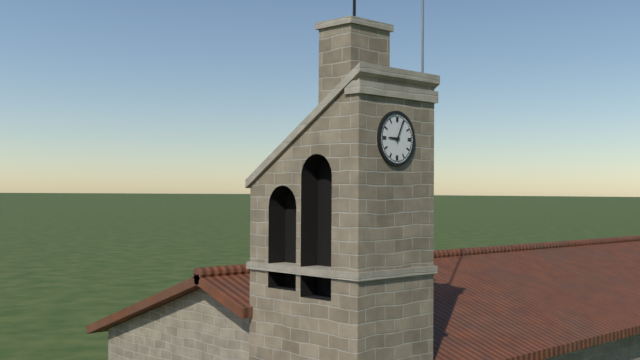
9 h 04 min
